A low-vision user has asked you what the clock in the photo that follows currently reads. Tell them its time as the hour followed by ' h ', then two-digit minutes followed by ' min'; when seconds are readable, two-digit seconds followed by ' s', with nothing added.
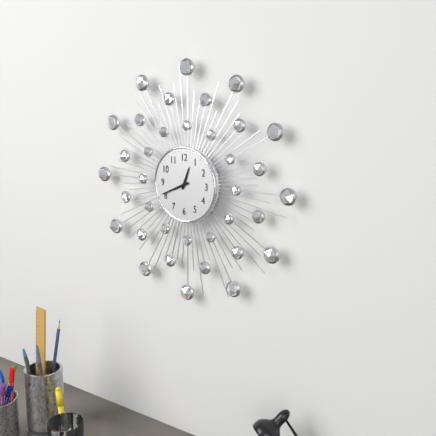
12 h 41 min
